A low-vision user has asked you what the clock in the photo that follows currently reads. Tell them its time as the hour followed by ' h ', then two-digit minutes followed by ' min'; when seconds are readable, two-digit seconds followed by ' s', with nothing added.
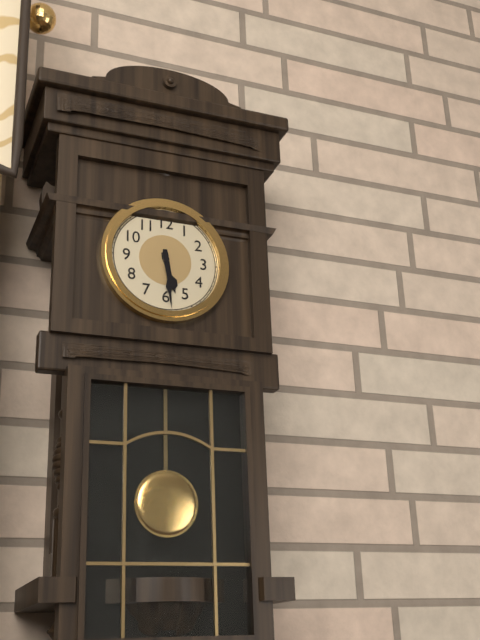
5 h 29 min
